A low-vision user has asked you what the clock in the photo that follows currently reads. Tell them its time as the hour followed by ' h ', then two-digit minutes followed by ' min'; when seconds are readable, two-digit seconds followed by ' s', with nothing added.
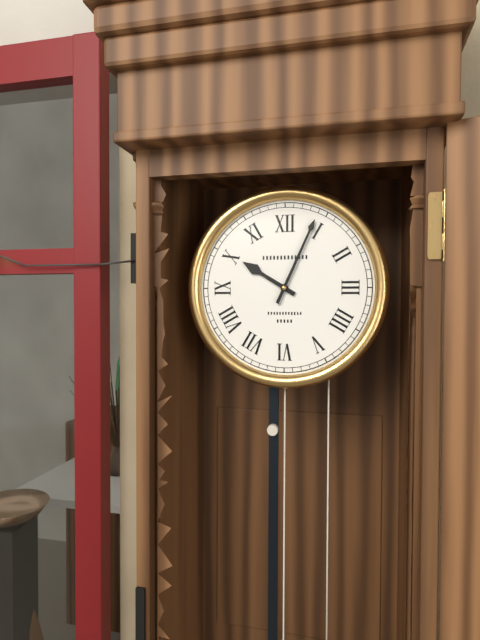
10 h 04 min
